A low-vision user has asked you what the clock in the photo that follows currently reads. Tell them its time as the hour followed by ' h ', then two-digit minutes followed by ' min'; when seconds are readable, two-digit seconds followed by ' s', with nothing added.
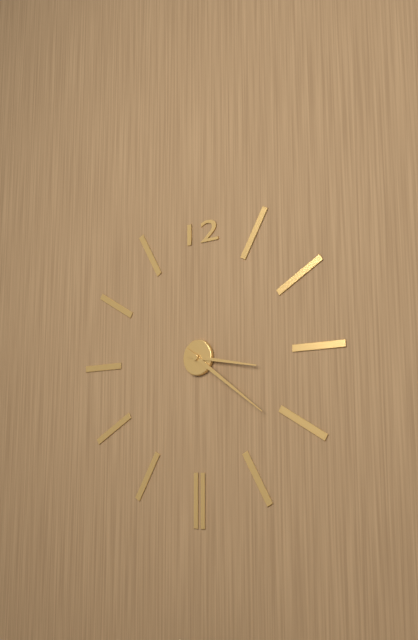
3 h 21 min
